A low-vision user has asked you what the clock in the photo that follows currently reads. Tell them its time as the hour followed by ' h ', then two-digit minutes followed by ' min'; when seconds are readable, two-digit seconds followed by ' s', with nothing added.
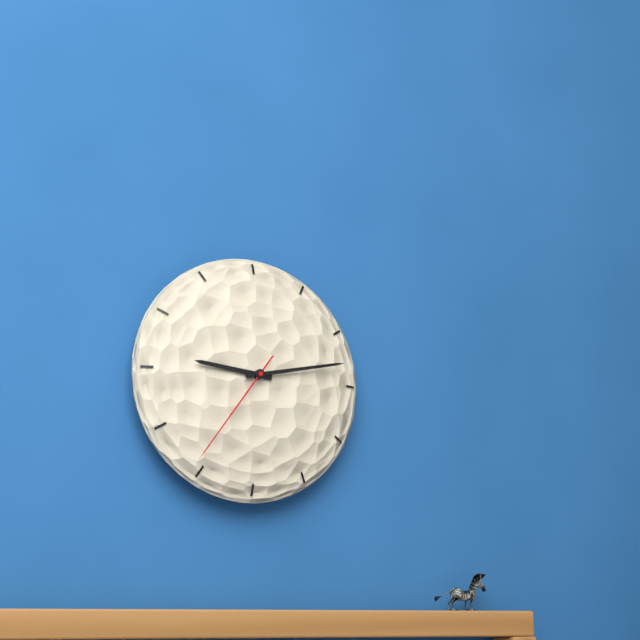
9 h 13 min 36 s
